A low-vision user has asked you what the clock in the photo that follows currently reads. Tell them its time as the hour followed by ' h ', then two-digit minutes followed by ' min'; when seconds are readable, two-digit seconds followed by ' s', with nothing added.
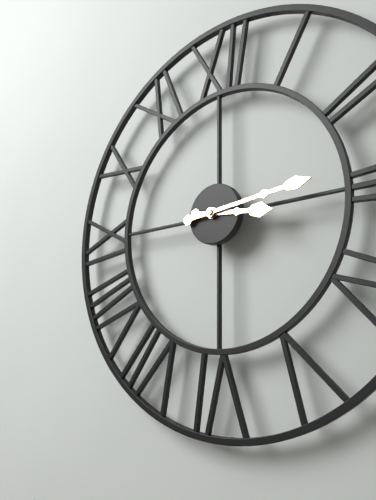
3 h 14 min
